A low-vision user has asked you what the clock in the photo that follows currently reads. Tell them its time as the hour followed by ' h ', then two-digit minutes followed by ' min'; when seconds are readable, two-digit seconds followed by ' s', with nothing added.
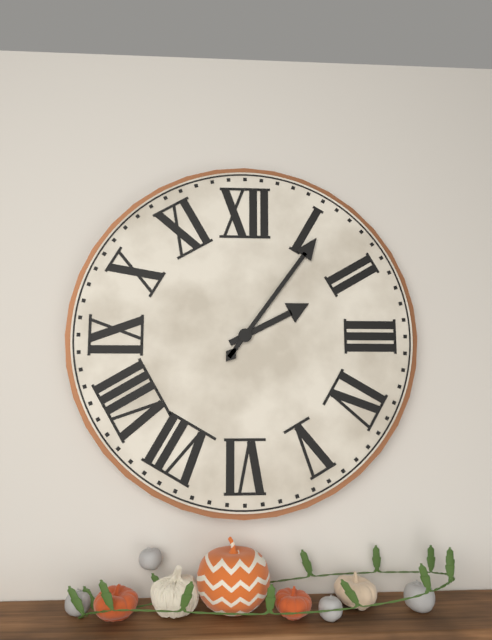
2 h 06 min
